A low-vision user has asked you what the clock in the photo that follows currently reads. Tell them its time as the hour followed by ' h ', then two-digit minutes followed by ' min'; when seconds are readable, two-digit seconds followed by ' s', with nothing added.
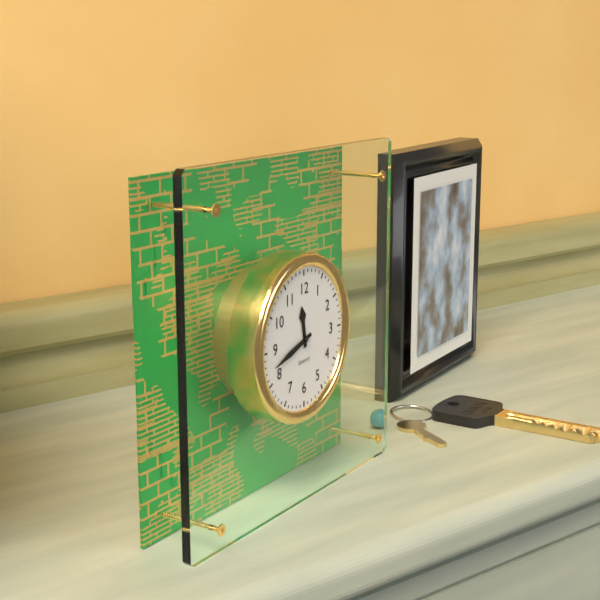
11 h 42 min
